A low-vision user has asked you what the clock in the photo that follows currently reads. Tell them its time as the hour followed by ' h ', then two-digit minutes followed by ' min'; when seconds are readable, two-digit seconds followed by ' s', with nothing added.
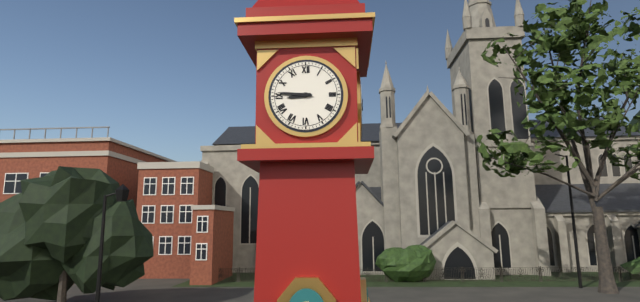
8 h 46 min
